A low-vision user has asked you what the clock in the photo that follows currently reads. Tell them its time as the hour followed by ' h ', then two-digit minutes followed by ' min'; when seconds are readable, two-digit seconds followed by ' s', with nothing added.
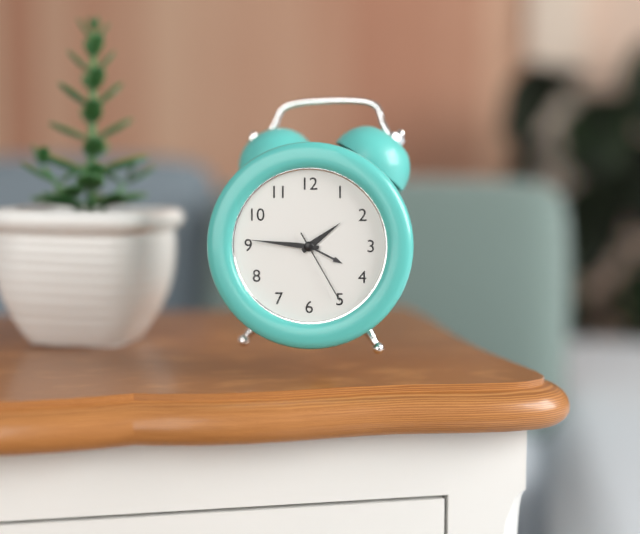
1 h 46 min 25 s
